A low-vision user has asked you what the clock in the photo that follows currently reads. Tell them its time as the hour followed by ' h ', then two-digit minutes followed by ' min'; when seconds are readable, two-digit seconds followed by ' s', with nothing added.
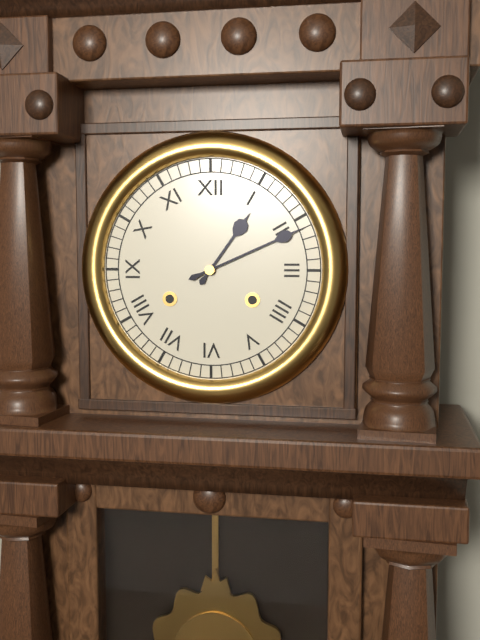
1 h 11 min
